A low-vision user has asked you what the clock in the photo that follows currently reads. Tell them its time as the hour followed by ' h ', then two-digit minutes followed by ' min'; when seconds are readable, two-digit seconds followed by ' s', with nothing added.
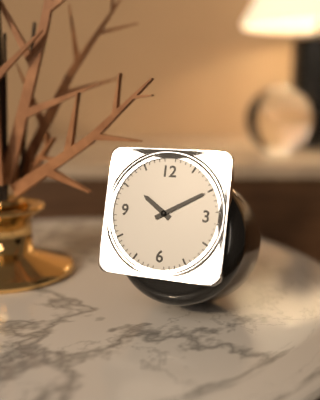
10 h 10 min
